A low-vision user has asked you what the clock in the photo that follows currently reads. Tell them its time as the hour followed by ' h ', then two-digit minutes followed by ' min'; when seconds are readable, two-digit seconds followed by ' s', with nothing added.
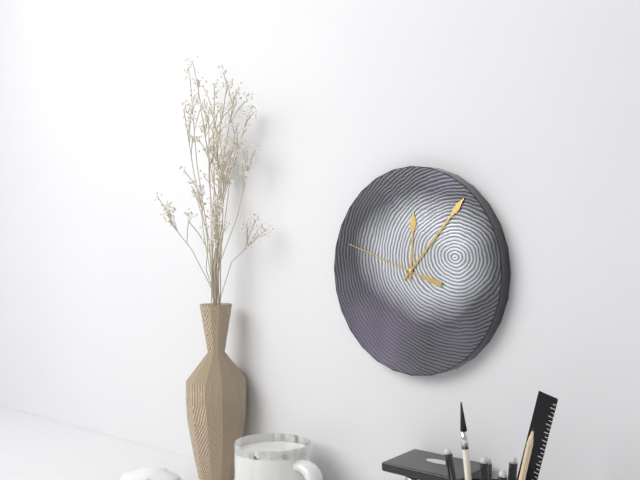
12 h 07 min 48 s
